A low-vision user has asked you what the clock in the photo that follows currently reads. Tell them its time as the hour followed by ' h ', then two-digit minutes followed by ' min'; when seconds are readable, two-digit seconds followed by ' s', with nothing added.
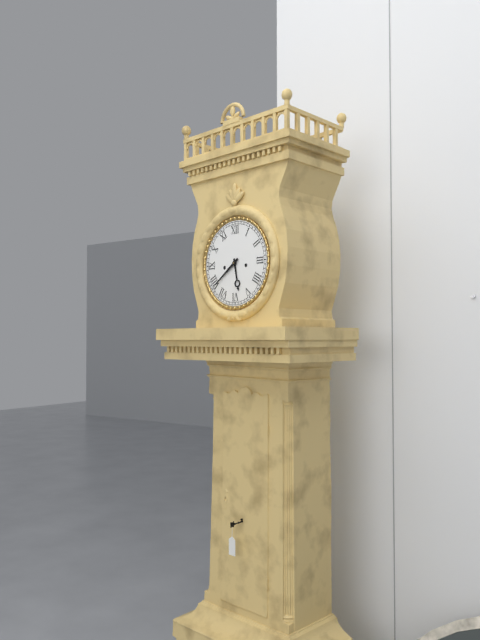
5 h 39 min
